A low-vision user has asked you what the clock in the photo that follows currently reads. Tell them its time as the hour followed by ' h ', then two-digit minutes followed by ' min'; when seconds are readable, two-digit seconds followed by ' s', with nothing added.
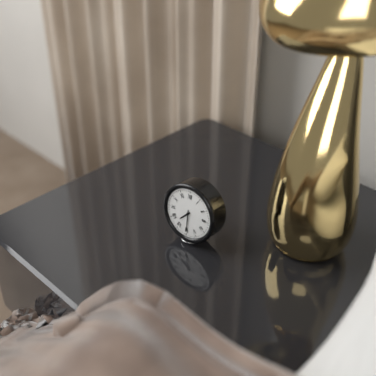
7 h 30 min
